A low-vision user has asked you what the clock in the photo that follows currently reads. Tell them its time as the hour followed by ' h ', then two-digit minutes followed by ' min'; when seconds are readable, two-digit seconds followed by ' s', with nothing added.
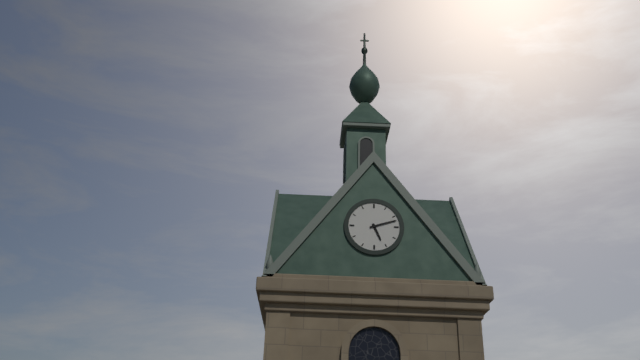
5 h 12 min
